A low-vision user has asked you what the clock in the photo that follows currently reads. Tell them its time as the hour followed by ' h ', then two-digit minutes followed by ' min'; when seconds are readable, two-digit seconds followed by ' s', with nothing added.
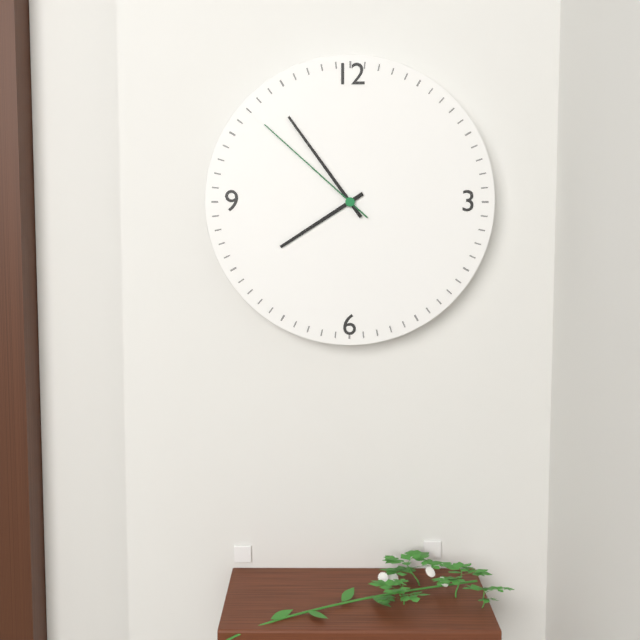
7 h 54 min 52 s
